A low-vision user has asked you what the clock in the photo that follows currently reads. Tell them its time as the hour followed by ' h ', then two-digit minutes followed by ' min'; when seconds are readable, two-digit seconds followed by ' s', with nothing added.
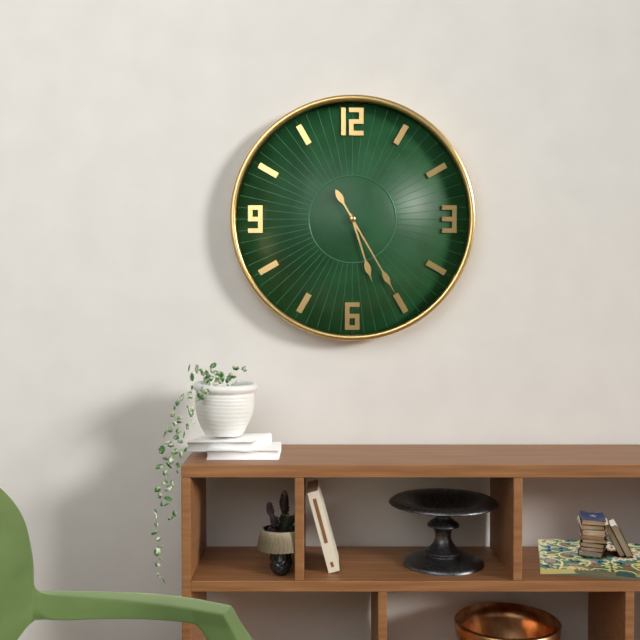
5 h 25 min
